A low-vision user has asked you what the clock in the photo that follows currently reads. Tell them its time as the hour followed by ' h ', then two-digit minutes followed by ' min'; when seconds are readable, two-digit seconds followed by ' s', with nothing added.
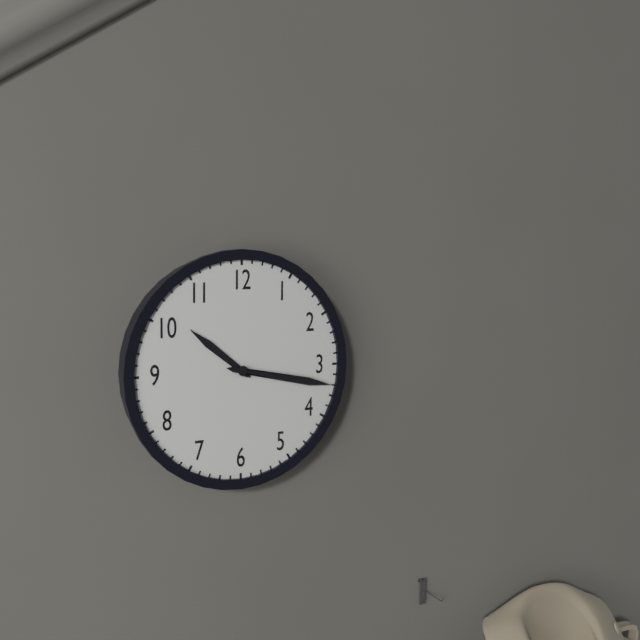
10 h 17 min
